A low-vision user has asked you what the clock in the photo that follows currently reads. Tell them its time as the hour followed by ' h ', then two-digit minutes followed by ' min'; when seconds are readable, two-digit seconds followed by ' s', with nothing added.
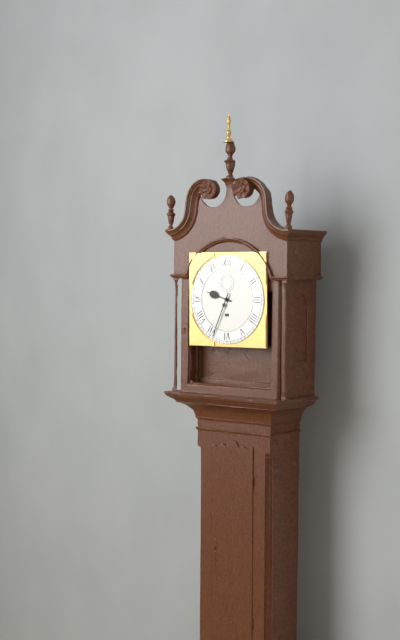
9 h 34 min
